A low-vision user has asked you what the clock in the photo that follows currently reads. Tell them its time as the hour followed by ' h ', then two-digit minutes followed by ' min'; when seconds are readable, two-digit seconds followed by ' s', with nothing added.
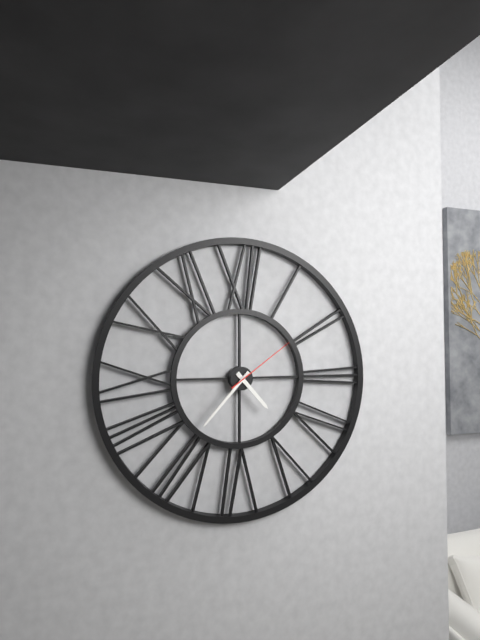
4 h 37 min 09 s
